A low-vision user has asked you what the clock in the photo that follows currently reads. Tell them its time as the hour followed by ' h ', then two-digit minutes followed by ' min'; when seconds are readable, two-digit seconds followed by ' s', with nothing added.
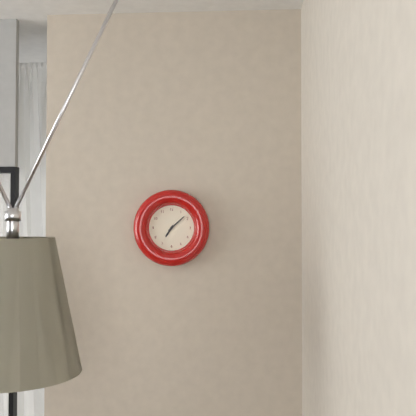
7 h 08 min
